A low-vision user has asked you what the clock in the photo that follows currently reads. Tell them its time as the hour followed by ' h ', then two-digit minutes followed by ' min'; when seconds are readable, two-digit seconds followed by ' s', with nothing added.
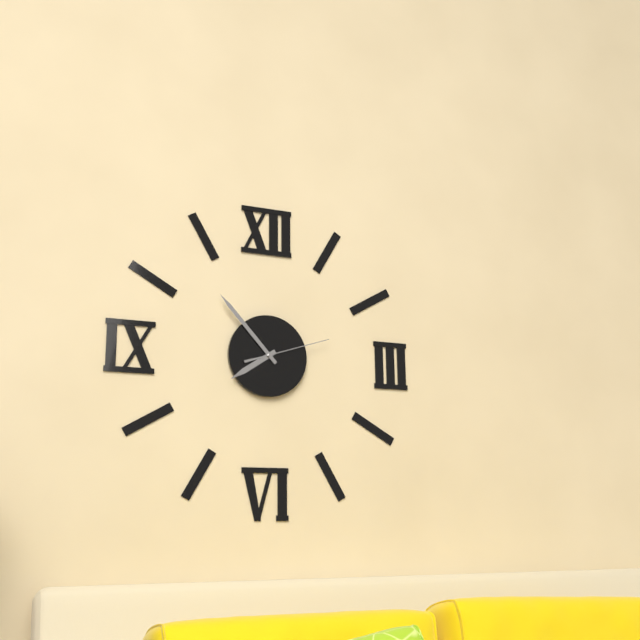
7 h 53 min 12 s
